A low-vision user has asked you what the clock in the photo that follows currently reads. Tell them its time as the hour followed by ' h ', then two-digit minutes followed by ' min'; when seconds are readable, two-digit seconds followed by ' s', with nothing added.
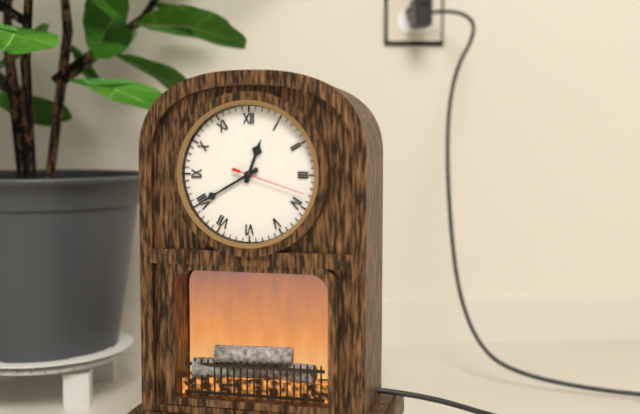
12 h 40 min 18 s
